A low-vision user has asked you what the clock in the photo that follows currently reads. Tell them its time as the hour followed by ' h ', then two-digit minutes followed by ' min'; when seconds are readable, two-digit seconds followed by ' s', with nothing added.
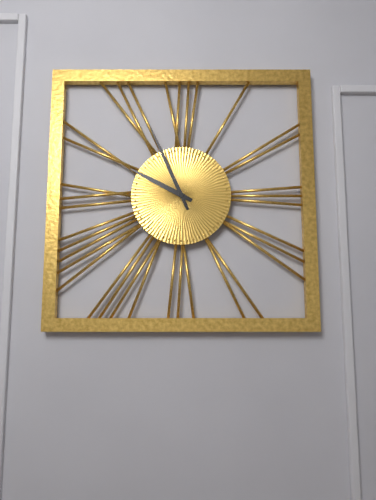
9 h 56 min
